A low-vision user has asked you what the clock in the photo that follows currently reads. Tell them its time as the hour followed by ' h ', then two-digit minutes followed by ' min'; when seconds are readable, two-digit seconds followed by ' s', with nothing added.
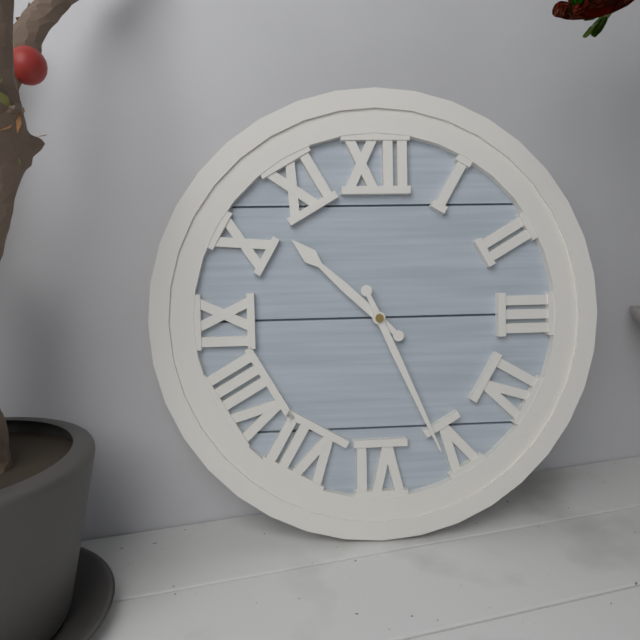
10 h 26 min
